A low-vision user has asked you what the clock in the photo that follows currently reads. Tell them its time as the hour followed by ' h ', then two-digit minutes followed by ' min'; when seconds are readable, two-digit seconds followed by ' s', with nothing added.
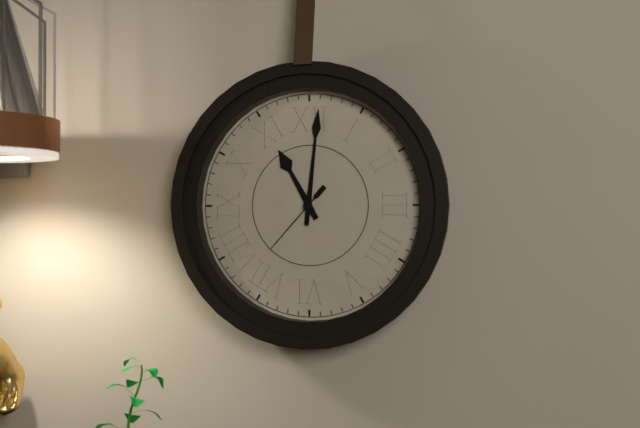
11 h 01 min 37 s
